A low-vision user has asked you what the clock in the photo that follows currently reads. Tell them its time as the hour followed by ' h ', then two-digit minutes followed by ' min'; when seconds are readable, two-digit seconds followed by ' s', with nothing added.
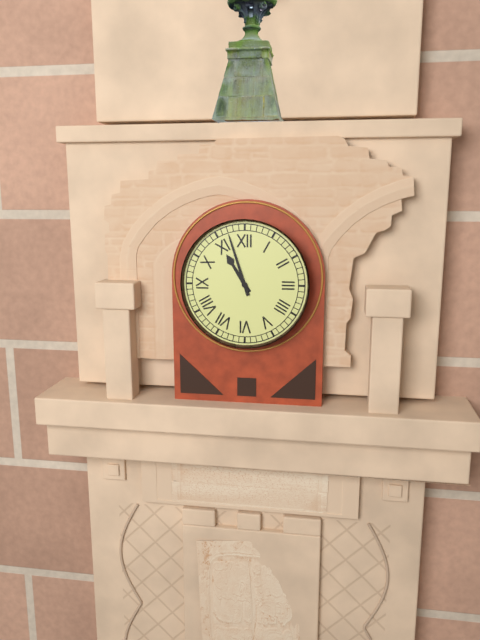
10 h 57 min
